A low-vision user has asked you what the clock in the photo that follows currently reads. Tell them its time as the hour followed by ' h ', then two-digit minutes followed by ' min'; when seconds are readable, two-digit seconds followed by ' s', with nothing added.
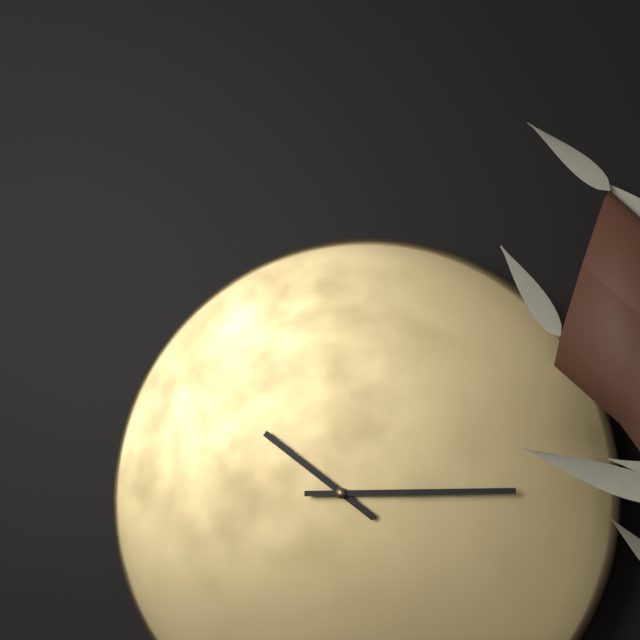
10 h 15 min
